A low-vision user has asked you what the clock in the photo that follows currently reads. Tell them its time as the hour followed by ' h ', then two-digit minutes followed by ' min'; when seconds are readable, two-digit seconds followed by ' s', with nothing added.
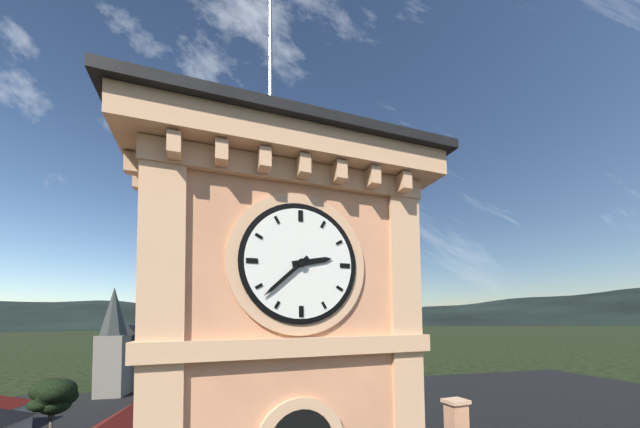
2 h 38 min
